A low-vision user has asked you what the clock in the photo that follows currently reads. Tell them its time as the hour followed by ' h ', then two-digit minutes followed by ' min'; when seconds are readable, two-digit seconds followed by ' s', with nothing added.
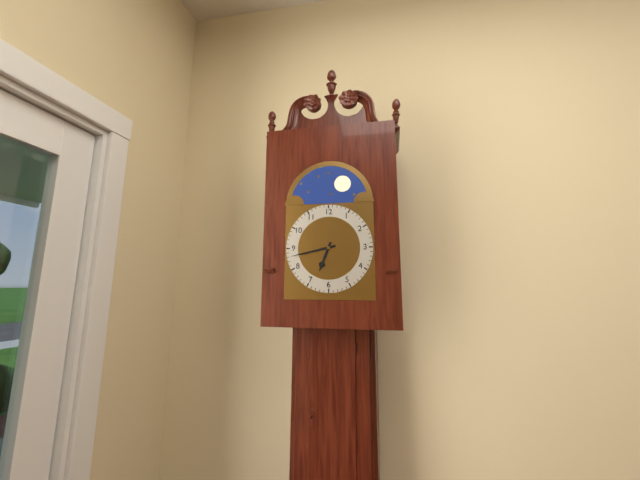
6 h 43 min
